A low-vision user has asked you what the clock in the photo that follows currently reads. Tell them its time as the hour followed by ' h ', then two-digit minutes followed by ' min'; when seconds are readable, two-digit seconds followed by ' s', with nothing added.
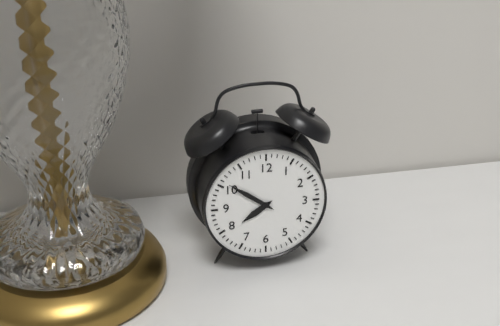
7 h 51 min
